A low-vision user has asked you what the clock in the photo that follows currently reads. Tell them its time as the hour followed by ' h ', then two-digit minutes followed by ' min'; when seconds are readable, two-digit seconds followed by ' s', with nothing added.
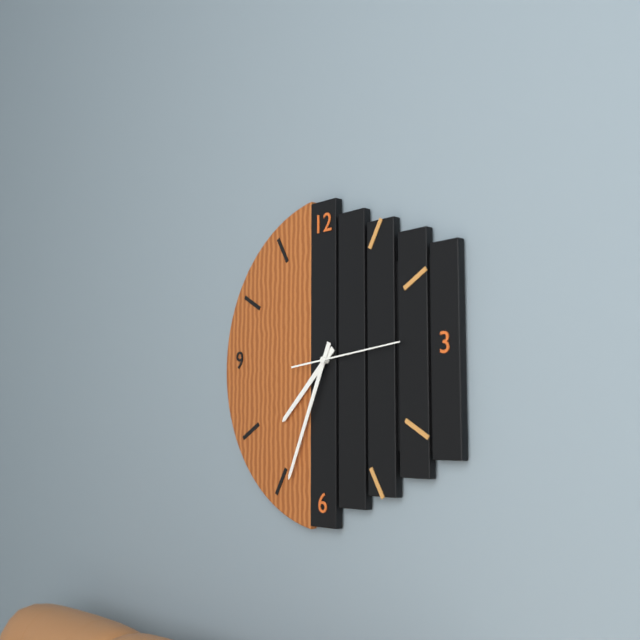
7 h 34 min 14 s
